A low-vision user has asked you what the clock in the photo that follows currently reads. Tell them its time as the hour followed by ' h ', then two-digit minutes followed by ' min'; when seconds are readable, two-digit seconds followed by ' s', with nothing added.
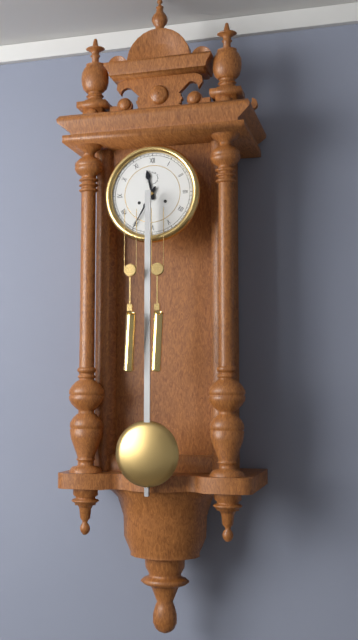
11 h 35 min
